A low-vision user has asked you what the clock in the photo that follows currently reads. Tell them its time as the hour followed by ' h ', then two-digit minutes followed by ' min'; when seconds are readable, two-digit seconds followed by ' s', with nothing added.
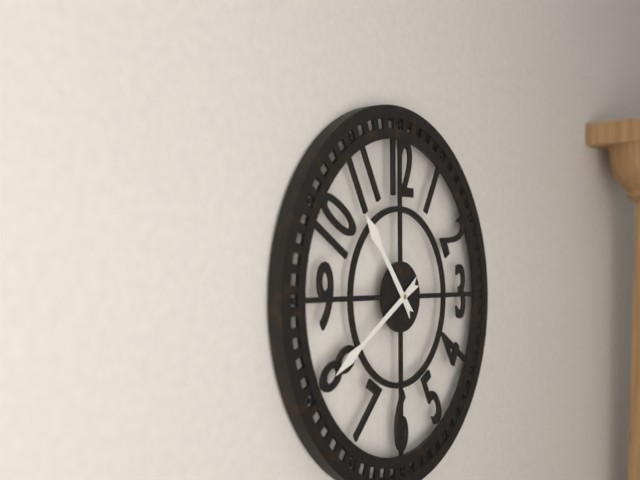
10 h 40 min
